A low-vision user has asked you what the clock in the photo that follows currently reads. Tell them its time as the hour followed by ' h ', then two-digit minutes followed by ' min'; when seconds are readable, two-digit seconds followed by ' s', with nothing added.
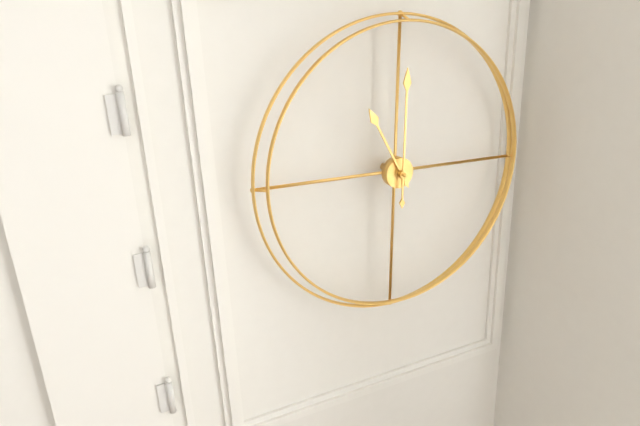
11 h 00 min
